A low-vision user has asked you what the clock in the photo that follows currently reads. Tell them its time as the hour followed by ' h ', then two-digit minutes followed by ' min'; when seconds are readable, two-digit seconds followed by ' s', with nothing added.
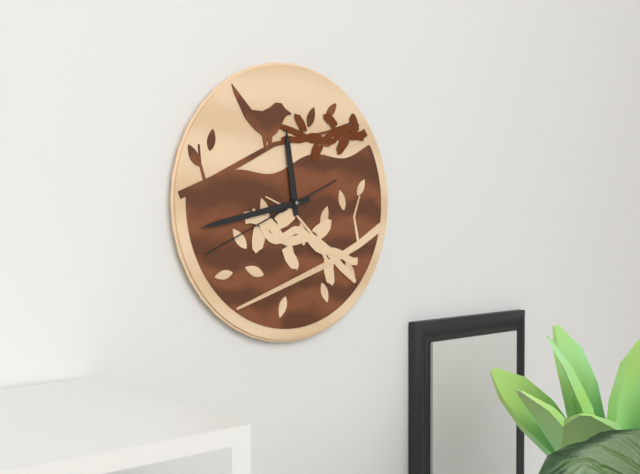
11 h 43 min 41 s
